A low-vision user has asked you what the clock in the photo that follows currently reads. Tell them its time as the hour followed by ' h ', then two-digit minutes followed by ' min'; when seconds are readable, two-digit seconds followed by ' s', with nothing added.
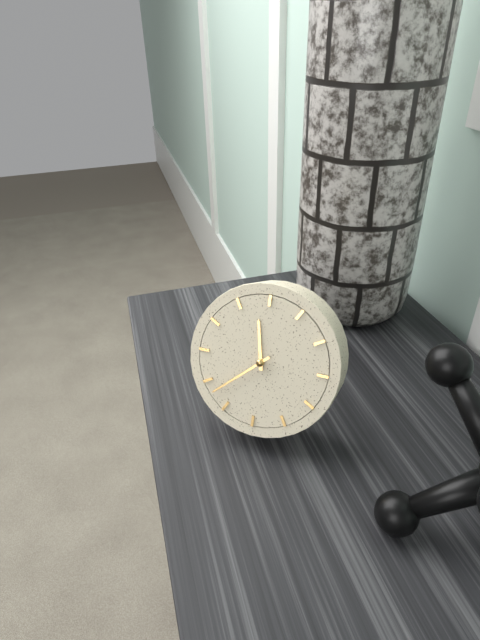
11 h 38 min
